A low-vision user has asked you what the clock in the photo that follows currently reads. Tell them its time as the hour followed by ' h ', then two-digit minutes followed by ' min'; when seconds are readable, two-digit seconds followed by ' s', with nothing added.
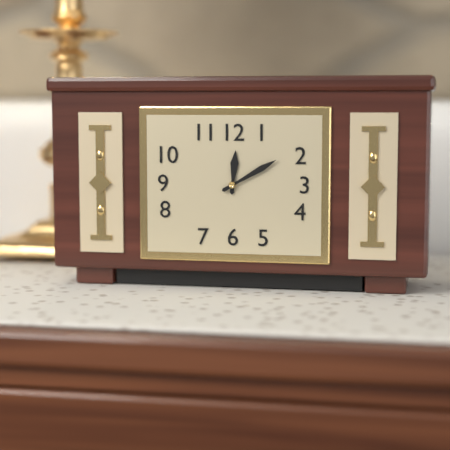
12 h 10 min
